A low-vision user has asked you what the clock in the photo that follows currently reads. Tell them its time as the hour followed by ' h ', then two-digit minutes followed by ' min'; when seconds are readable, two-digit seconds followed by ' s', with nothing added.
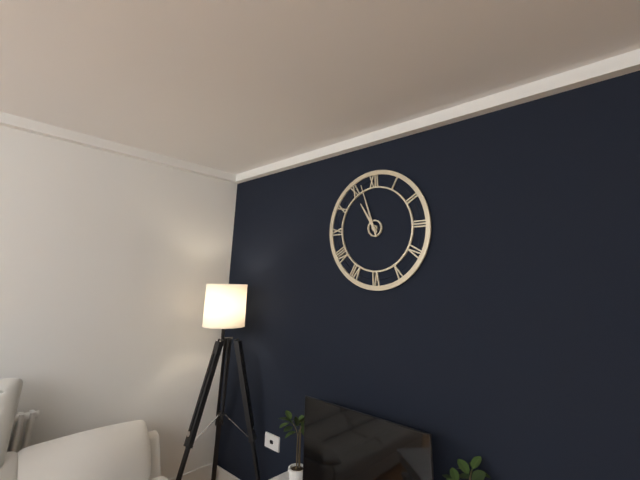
10 h 57 min
